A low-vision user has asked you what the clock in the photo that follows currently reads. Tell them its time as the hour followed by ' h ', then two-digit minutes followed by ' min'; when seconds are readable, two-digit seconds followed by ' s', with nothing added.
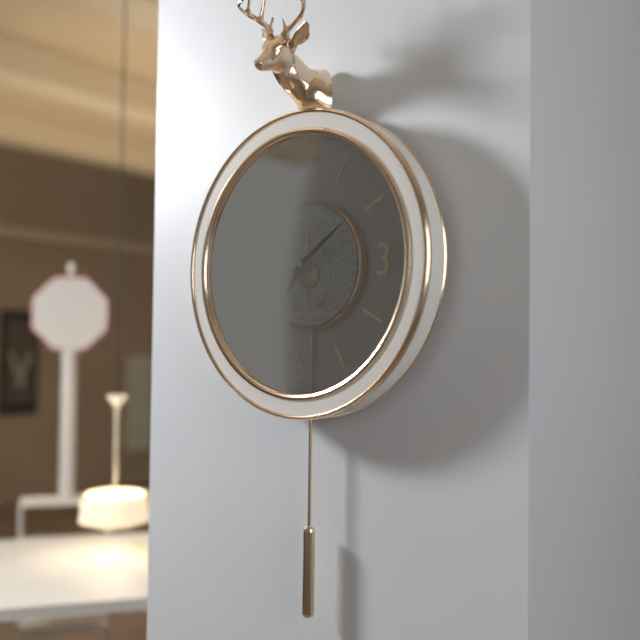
7 h 09 min
